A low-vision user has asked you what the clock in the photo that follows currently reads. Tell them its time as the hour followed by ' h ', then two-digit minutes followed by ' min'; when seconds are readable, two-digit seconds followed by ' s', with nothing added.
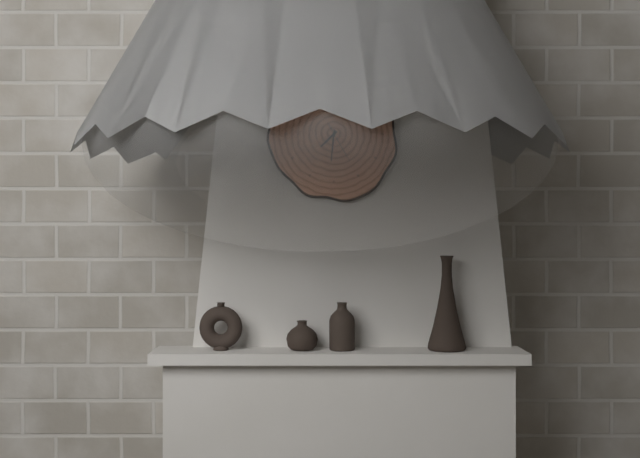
7 h 31 min
